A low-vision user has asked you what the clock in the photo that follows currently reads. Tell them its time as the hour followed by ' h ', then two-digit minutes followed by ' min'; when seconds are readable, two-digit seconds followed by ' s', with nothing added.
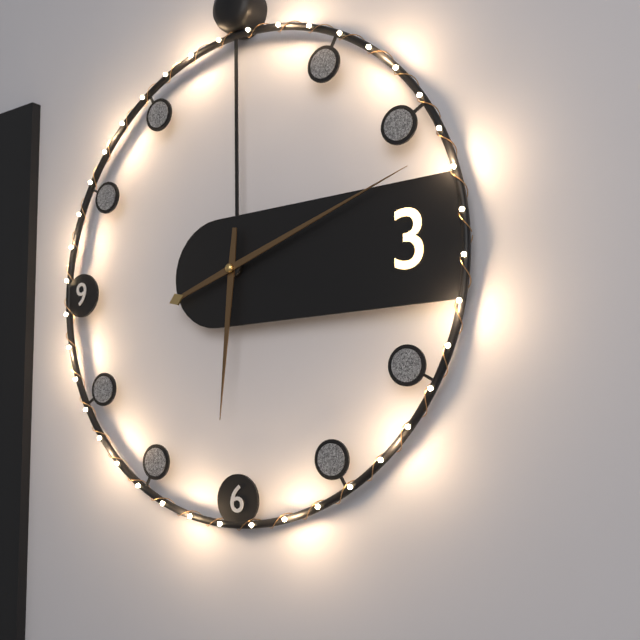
6 h 12 min
